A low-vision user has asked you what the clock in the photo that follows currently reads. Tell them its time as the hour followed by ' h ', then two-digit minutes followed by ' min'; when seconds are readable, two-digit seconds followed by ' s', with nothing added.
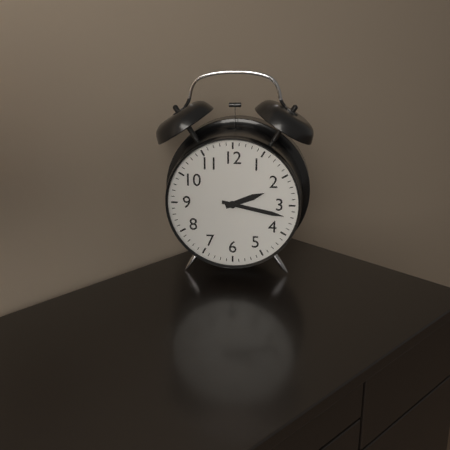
2 h 17 min
